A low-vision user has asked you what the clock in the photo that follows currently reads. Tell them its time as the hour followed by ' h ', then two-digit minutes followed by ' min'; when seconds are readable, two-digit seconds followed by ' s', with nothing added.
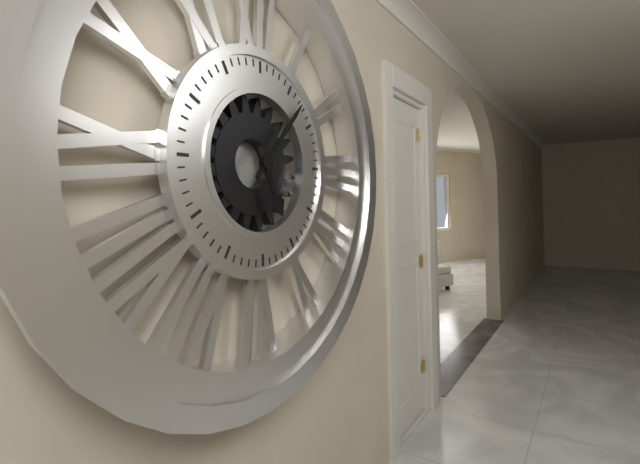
5 h 07 min
